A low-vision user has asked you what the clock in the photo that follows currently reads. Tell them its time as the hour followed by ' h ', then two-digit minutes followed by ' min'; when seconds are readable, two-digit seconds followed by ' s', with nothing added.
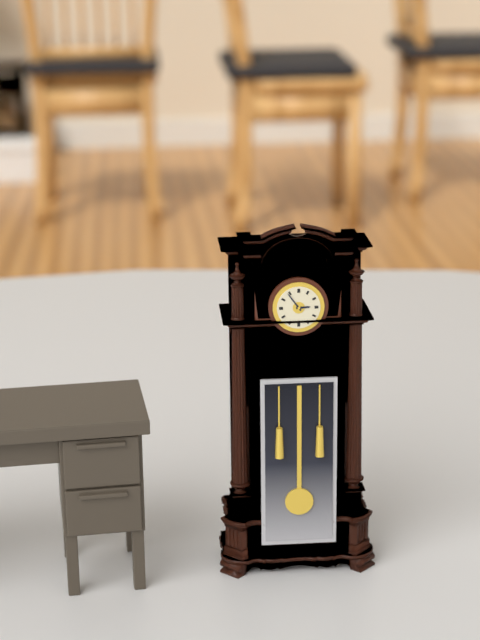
2 h 54 min
